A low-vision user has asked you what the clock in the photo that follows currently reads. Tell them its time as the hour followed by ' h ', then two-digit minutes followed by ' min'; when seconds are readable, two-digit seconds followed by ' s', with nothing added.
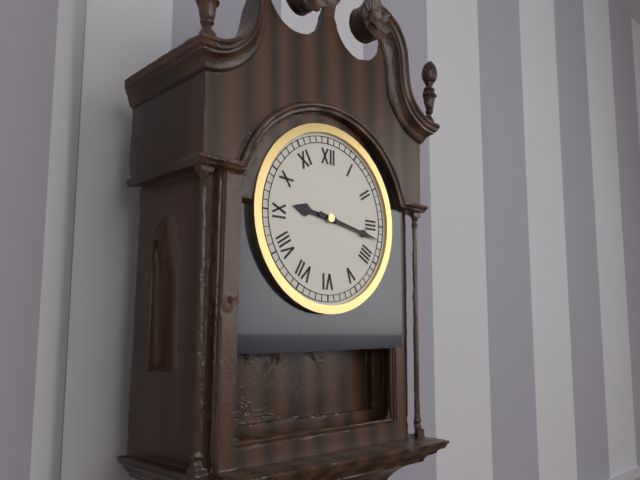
9 h 17 min
